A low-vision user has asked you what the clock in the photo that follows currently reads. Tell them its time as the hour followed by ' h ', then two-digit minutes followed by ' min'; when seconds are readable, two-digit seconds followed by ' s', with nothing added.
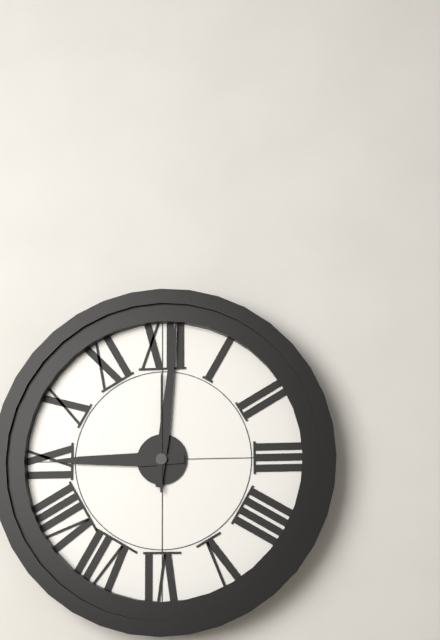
9 h 01 min 00 s
